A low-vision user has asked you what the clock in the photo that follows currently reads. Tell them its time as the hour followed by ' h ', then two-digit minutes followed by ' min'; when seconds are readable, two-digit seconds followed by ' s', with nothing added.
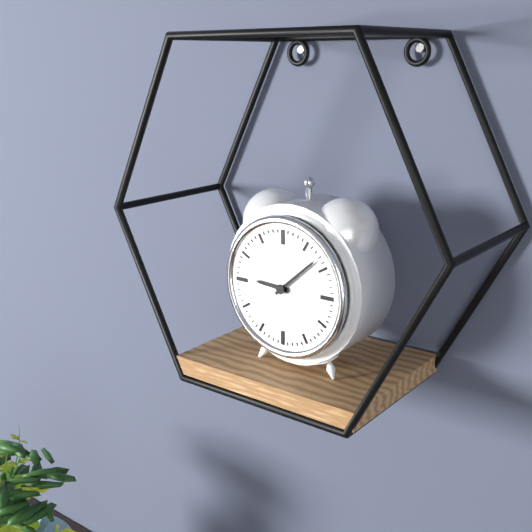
9 h 08 min
